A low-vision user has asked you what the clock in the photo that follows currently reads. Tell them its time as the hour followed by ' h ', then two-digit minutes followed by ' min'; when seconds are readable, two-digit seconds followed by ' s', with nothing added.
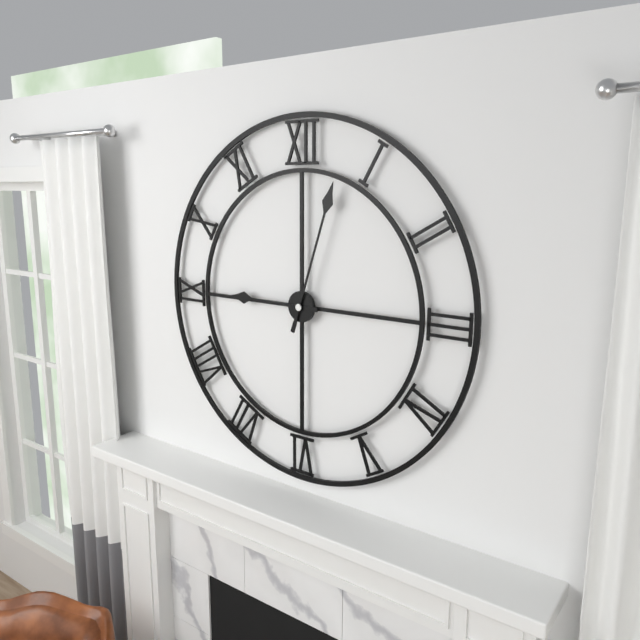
9 h 03 min
